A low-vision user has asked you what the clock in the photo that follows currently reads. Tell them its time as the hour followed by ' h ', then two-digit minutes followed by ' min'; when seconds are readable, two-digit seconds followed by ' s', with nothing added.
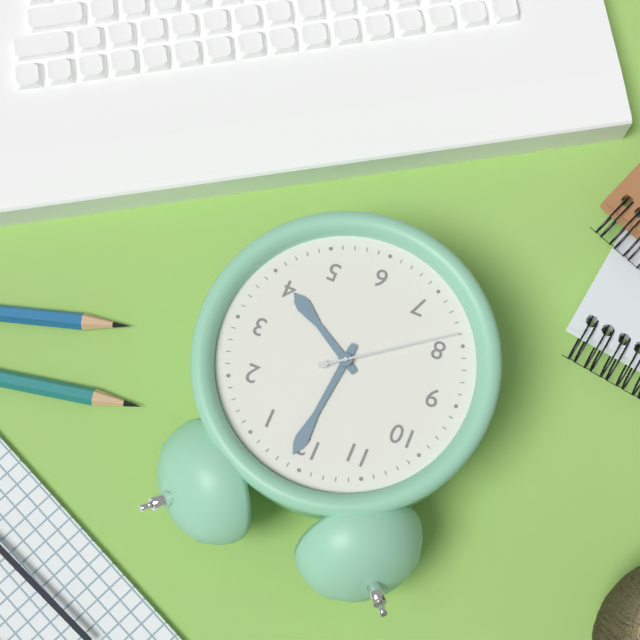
4 h 01 min 39 s
